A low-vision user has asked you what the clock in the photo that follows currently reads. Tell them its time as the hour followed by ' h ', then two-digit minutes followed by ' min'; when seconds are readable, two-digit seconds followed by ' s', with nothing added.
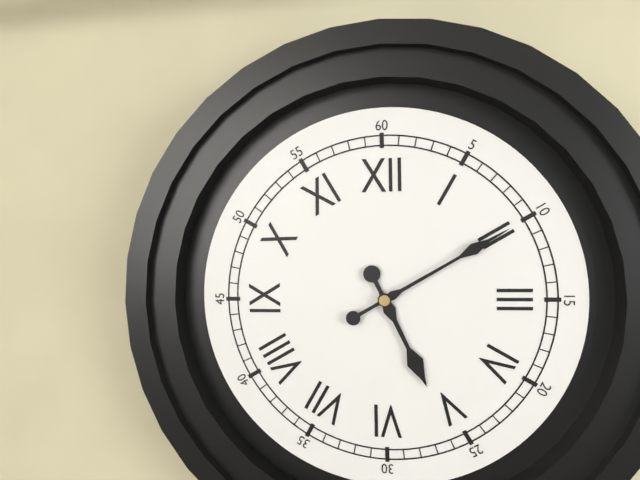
5 h 10 min
